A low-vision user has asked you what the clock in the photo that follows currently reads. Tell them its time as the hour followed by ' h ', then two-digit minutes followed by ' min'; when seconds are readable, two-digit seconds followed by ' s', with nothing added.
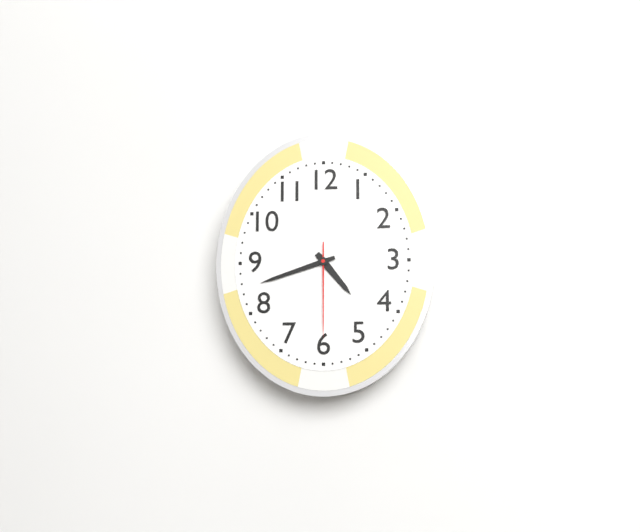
4 h 42 min 30 s
